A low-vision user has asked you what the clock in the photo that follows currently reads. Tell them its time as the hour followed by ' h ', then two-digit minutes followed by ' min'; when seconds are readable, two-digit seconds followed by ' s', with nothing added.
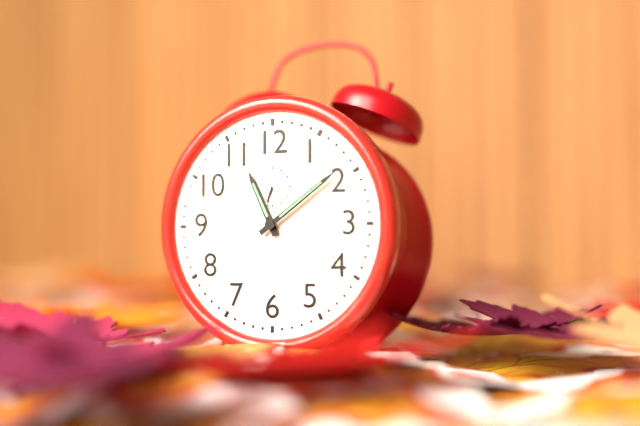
11 h 09 min
